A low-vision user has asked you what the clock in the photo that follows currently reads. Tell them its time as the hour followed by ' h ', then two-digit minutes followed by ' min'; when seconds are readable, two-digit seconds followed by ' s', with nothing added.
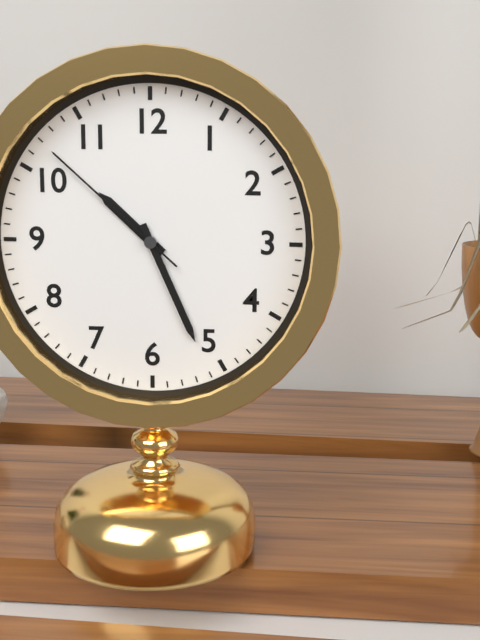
10 h 26 min 52 s
